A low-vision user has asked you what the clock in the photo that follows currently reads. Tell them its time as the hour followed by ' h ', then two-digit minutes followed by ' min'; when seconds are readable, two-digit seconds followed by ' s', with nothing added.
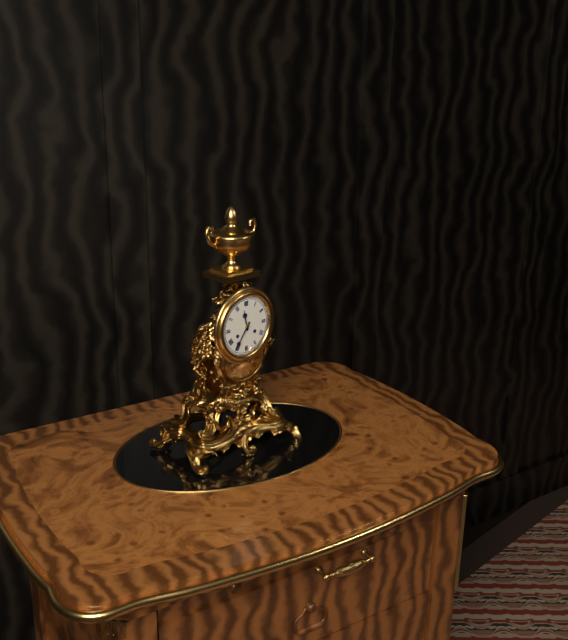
11 h 36 min
